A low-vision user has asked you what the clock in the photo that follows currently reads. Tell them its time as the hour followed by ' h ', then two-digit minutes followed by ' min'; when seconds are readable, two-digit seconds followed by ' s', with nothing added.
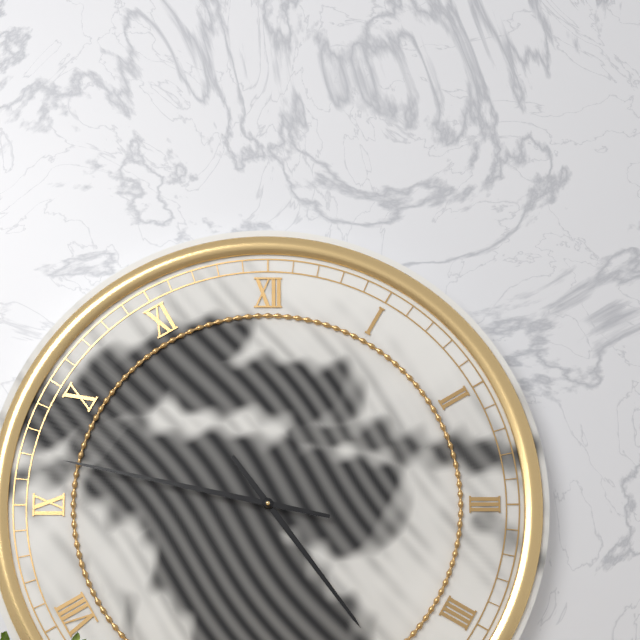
4 h 47 min
